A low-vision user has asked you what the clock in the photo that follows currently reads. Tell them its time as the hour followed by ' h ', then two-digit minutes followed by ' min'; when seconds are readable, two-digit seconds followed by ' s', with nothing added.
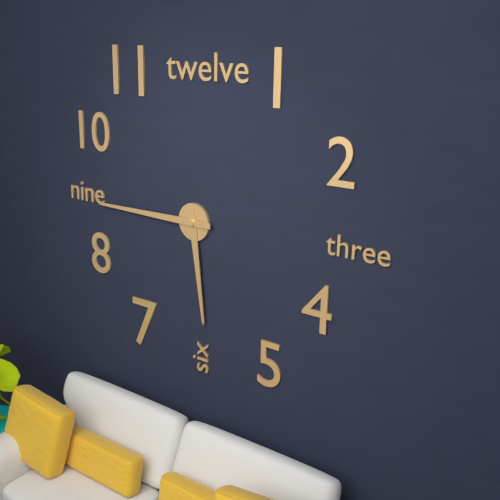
5 h 45 min
